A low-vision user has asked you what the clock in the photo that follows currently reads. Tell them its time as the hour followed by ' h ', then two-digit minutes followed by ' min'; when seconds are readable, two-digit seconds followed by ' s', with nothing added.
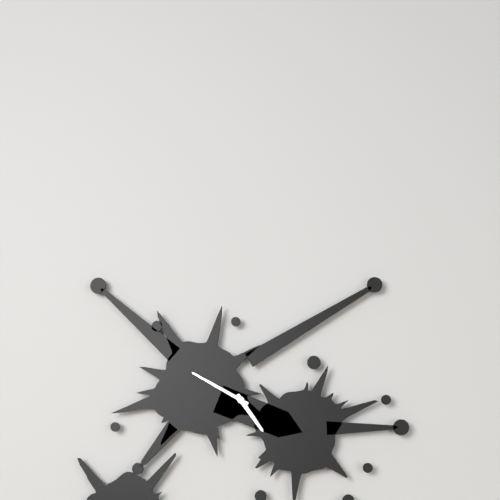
4 h 50 min
